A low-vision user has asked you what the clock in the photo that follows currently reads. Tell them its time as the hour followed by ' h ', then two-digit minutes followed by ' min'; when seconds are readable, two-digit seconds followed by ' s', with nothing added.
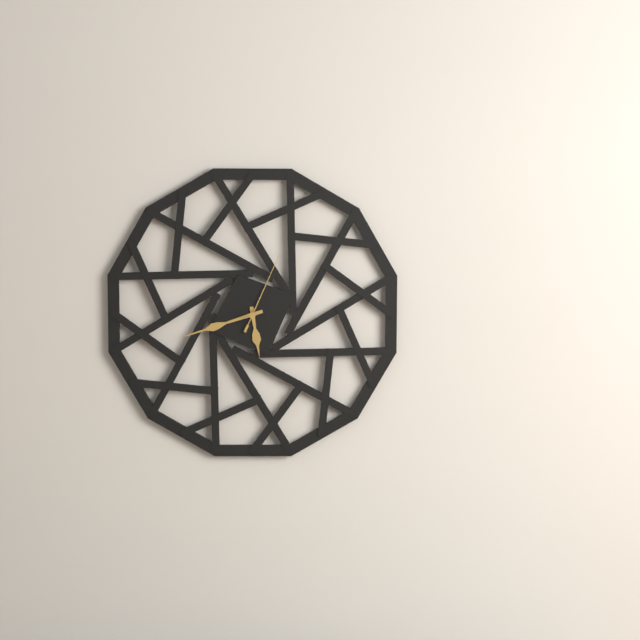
5 h 42 min 04 s
